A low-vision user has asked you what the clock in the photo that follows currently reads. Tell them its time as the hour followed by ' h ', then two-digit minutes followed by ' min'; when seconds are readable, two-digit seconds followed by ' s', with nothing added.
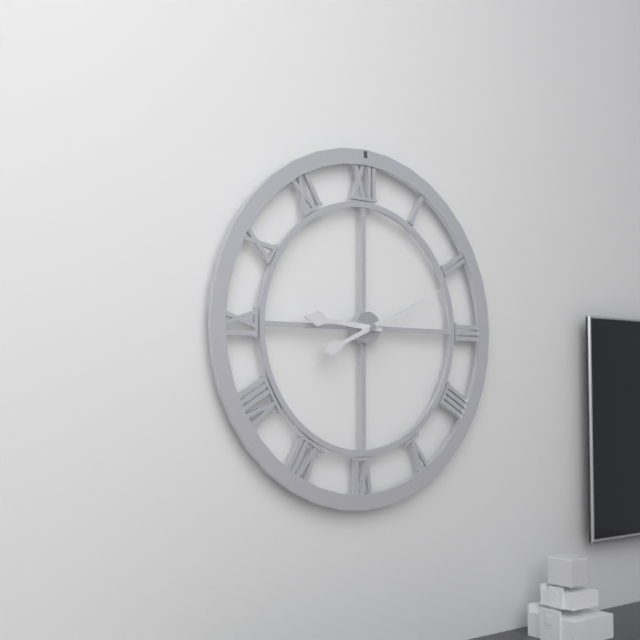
9 h 11 min
